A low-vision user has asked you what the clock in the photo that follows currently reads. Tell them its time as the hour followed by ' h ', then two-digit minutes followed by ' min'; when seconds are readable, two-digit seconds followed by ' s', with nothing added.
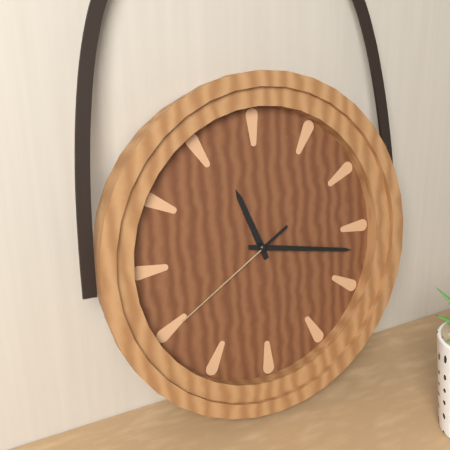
11 h 17 min 40 s
